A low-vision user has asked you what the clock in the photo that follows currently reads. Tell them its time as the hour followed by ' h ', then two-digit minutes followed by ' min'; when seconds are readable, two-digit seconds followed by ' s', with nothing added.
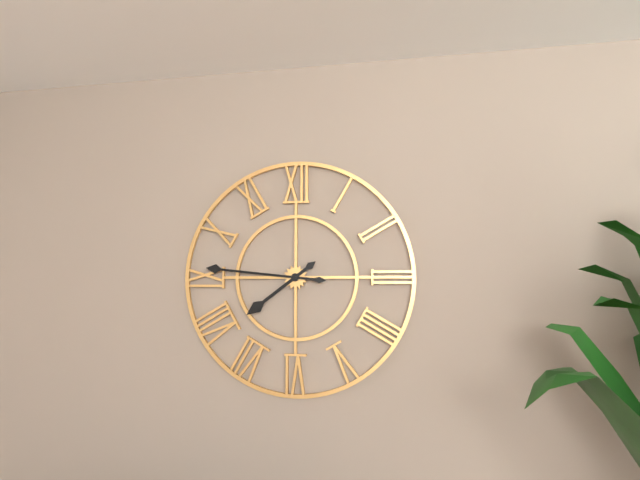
7 h 46 min
